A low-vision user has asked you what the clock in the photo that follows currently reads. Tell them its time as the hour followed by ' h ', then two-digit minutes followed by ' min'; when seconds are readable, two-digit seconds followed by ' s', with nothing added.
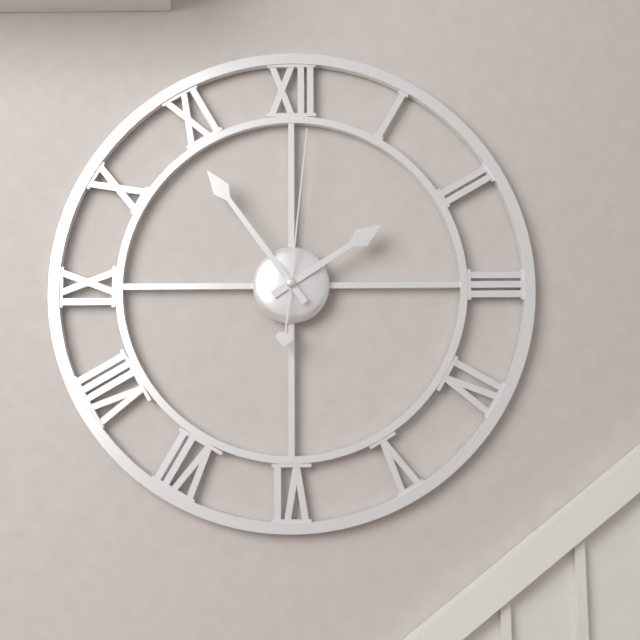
1 h 54 min 01 s
